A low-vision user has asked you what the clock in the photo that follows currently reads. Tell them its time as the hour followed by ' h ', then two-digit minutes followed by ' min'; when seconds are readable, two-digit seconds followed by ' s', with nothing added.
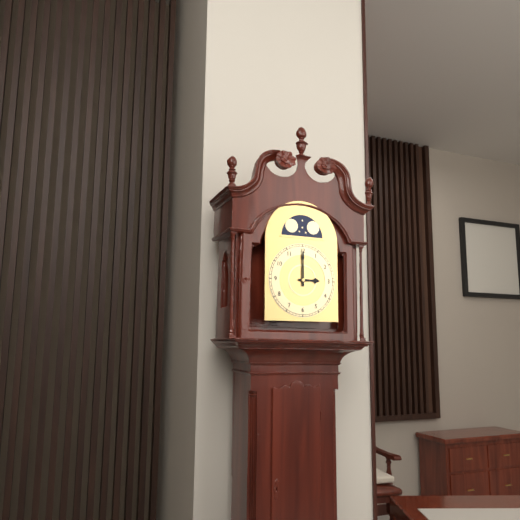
3 h 00 min
